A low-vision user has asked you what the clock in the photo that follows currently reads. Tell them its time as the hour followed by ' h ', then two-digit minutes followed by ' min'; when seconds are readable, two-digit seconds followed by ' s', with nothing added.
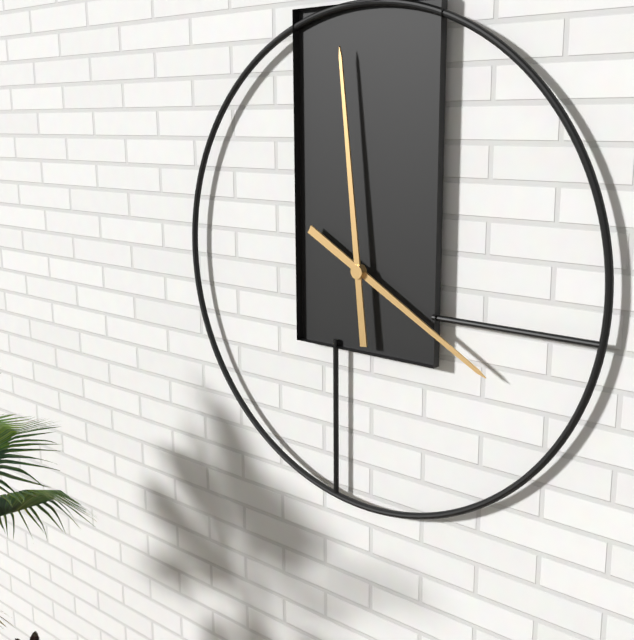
3 h 59 min
